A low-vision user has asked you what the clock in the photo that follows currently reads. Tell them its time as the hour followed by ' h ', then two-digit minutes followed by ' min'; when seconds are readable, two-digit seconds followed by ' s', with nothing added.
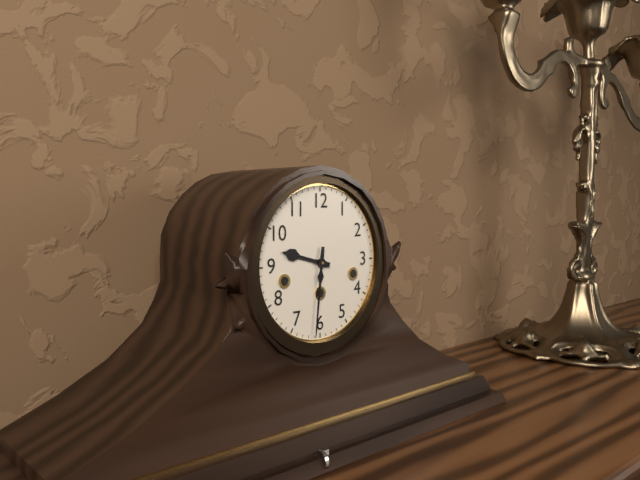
9 h 31 min
